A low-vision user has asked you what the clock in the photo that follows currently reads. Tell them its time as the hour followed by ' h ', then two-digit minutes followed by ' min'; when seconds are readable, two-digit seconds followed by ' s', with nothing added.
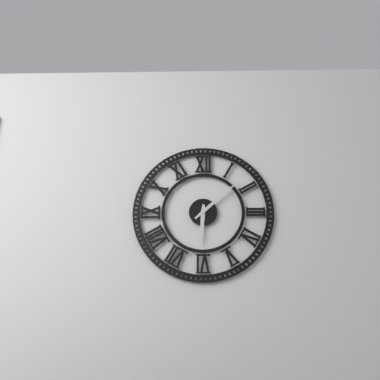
6 h 08 min
